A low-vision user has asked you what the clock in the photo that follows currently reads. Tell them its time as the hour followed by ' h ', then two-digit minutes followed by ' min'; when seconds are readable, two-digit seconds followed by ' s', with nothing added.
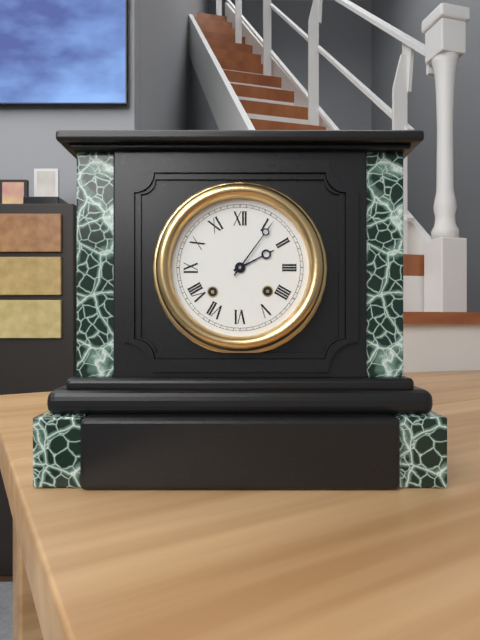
2 h 06 min
